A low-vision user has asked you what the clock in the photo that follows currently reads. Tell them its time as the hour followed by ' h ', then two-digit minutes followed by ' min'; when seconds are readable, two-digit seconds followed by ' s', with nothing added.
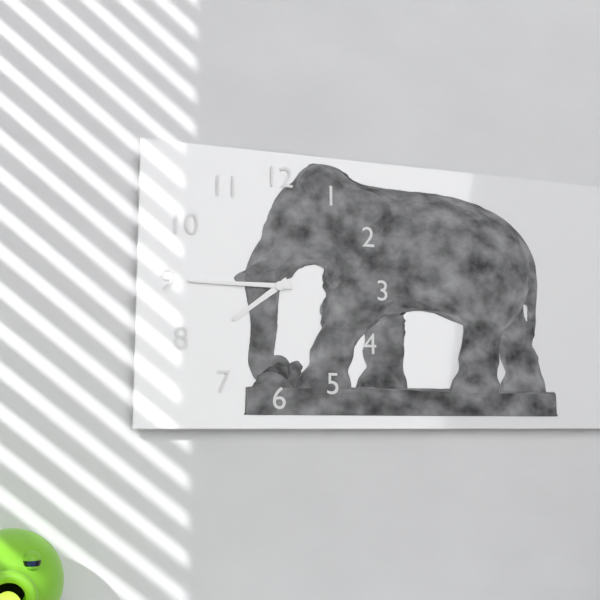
7 h 45 min
